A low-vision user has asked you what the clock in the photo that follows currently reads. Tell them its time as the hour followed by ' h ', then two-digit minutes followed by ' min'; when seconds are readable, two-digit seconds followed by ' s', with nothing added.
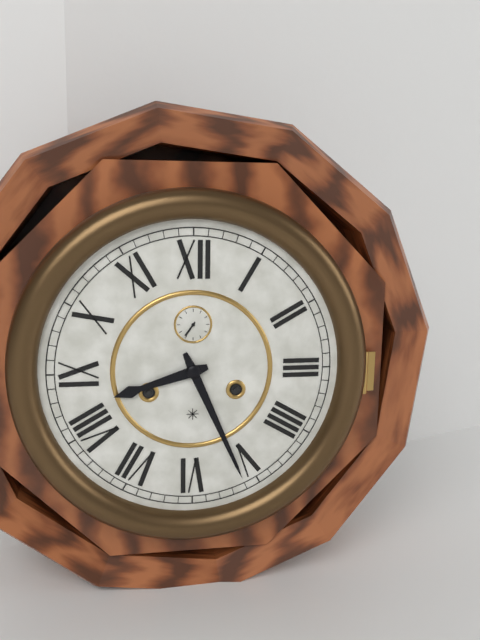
8 h 26 min
